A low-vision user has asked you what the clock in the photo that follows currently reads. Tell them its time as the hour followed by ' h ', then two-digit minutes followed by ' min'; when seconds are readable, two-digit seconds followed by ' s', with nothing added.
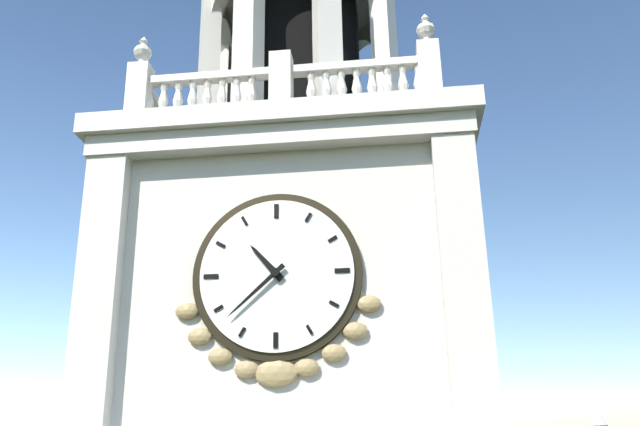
10 h 38 min
